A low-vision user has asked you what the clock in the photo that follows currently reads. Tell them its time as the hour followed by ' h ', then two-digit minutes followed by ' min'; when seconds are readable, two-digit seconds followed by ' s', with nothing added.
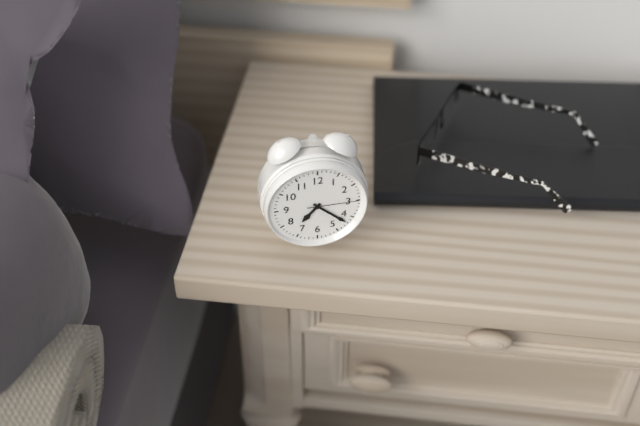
7 h 22 min 15 s
